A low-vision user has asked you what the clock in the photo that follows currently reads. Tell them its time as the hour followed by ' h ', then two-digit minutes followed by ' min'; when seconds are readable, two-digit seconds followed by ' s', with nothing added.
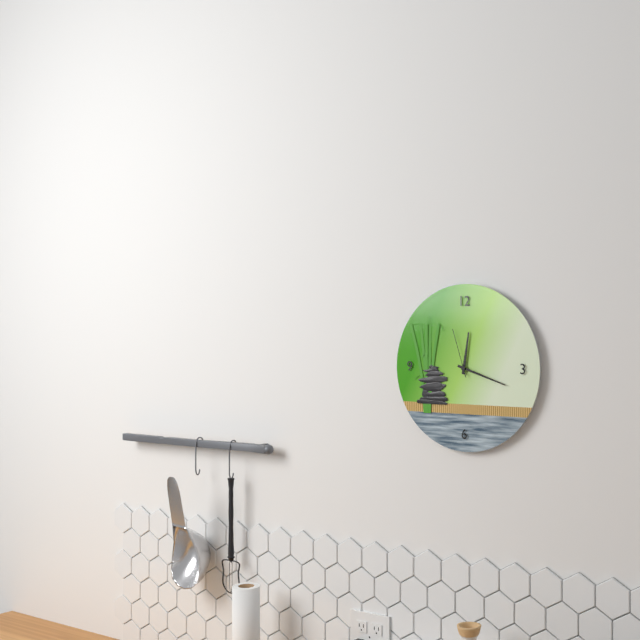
12 h 18 min 57 s
